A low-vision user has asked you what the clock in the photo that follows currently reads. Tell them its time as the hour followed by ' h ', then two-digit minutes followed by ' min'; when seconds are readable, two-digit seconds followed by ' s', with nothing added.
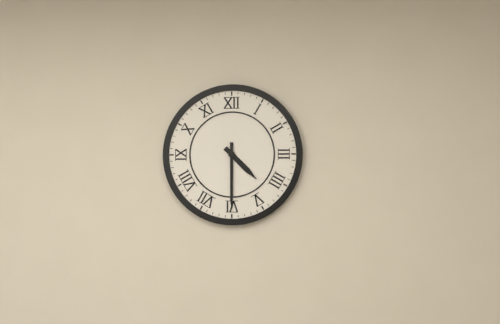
4 h 30 min
